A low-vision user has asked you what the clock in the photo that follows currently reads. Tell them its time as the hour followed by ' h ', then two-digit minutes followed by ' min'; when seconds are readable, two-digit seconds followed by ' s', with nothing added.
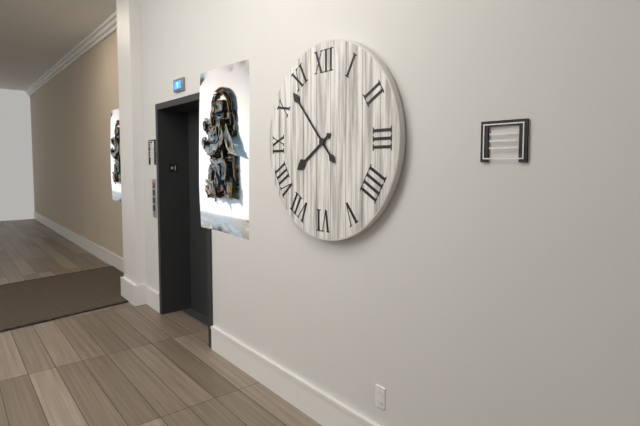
7 h 53 min
